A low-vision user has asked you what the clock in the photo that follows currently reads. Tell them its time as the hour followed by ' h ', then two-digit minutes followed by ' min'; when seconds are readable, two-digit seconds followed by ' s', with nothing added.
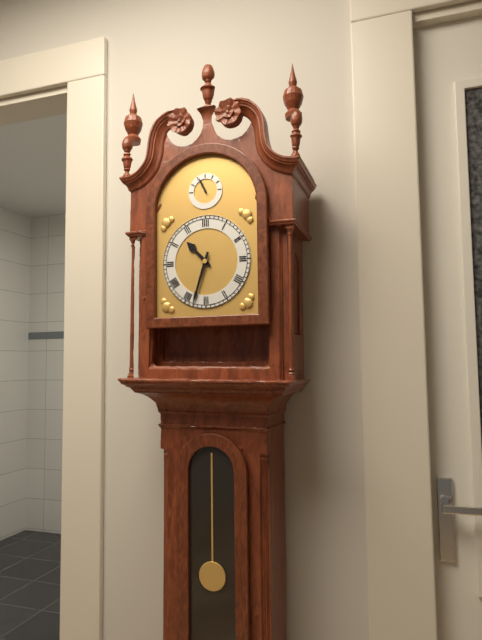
10 h 33 min
